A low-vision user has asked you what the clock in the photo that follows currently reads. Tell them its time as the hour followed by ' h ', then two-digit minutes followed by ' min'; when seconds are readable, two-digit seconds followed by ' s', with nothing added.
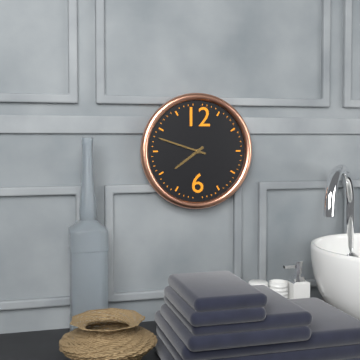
7 h 48 min
